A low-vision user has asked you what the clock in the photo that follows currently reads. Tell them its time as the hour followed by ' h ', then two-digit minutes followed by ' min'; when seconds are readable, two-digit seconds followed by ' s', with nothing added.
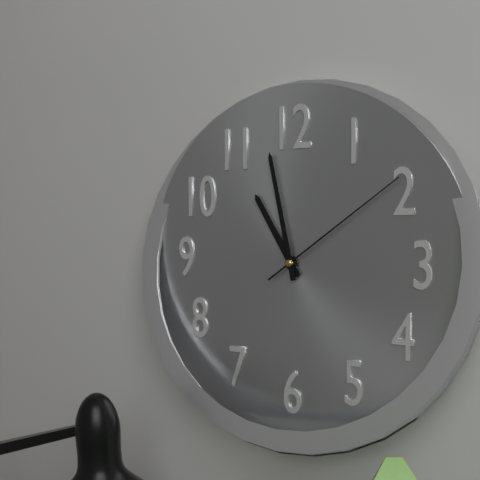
10 h 58 min 09 s
